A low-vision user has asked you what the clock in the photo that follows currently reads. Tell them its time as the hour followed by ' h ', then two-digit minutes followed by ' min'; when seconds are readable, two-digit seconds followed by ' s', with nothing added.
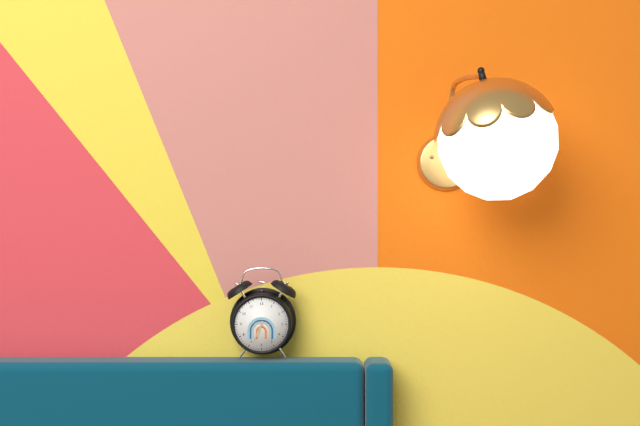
6 h 34 min
